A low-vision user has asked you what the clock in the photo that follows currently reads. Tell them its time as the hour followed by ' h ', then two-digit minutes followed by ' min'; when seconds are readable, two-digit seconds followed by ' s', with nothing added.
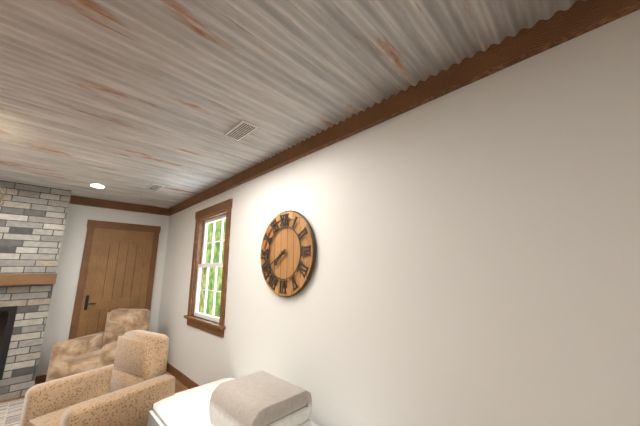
7 h 40 min
